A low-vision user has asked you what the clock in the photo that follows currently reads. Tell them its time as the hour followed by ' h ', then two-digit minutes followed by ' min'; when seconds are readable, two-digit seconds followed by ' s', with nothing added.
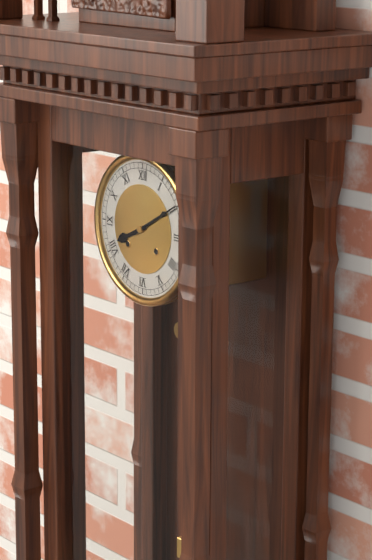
8 h 10 min
